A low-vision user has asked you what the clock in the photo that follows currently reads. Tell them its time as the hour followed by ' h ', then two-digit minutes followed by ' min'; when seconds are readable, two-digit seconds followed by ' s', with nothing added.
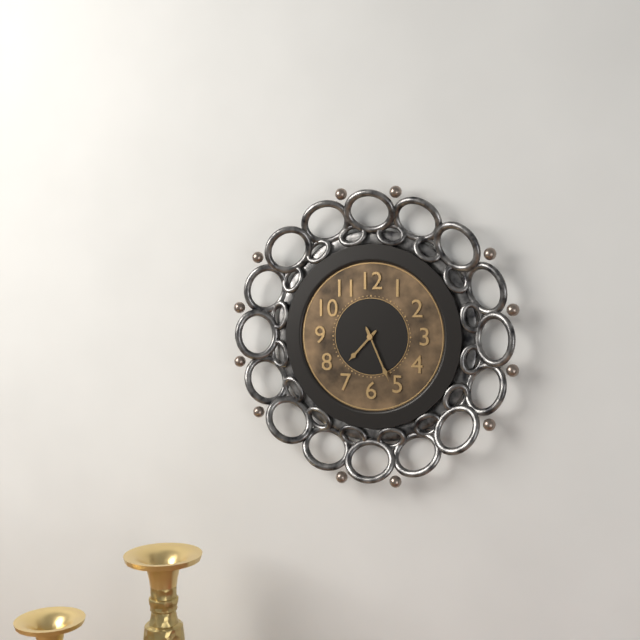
7 h 26 min
